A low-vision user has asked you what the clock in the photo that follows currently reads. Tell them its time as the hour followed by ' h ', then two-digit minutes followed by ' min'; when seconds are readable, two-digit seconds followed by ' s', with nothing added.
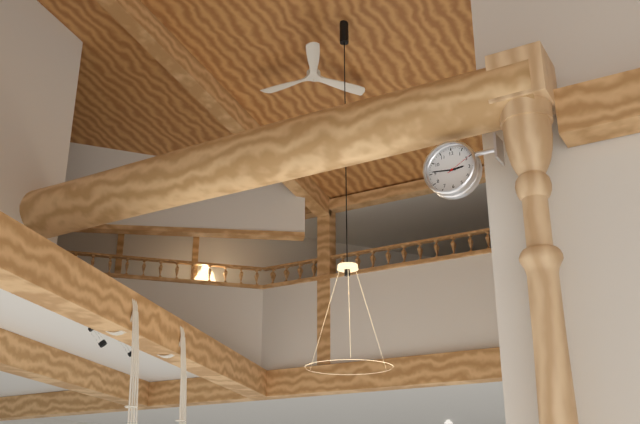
2 h 46 min
